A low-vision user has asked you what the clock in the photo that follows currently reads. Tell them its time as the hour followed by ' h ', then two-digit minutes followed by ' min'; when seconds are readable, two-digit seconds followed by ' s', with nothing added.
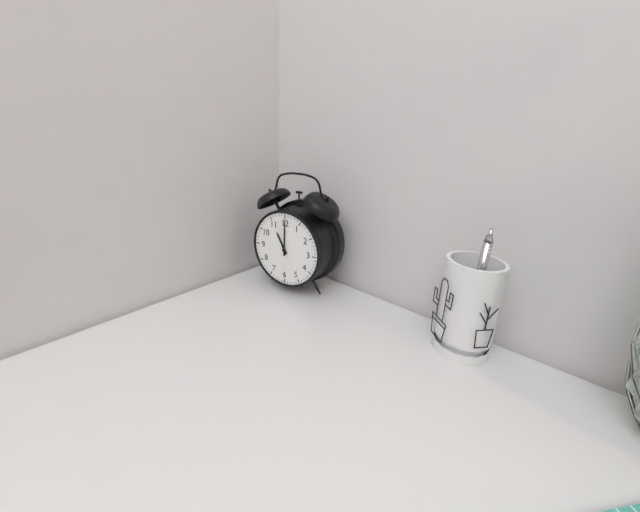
11 h 00 min
